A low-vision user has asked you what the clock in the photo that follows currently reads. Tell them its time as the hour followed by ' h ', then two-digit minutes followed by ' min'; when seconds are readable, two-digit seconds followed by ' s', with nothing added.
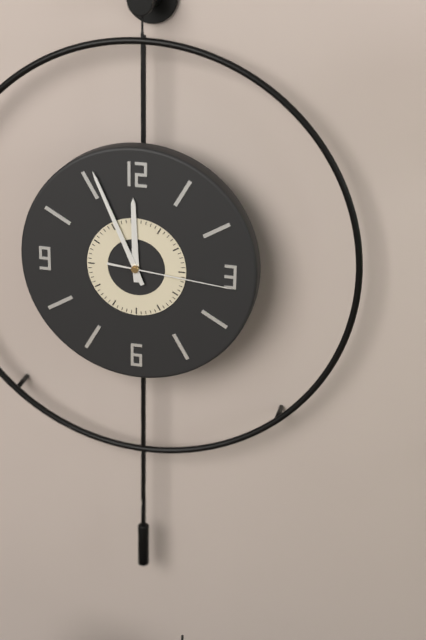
11 h 56 min 16 s
